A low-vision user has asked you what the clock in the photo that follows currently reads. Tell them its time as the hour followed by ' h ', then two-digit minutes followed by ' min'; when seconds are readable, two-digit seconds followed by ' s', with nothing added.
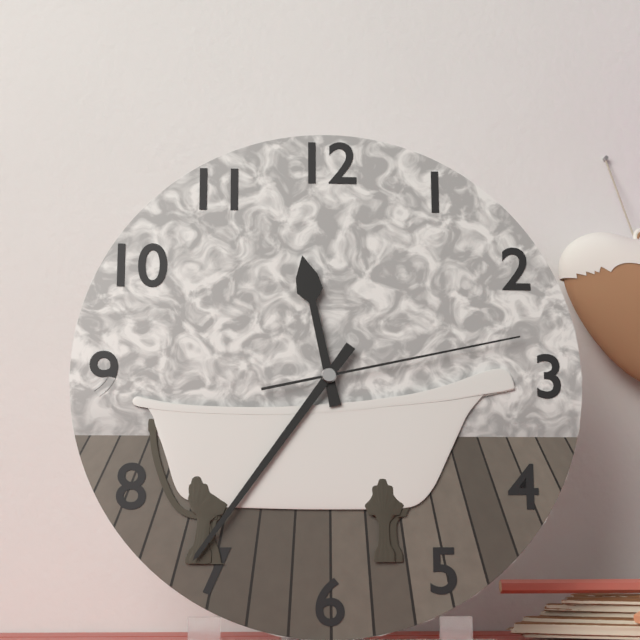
11 h 36 min 13 s
